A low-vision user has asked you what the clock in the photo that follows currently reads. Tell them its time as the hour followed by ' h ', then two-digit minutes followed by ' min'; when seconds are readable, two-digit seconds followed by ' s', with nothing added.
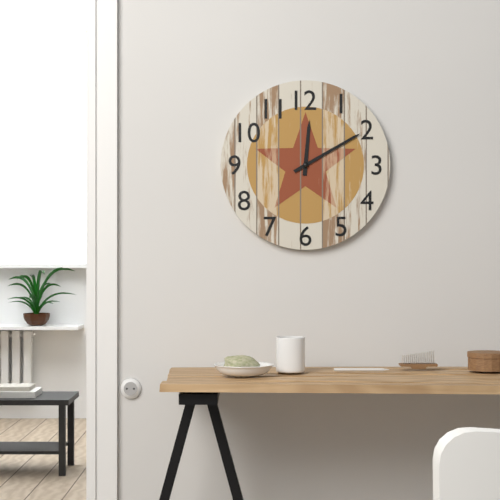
12 h 10 min
